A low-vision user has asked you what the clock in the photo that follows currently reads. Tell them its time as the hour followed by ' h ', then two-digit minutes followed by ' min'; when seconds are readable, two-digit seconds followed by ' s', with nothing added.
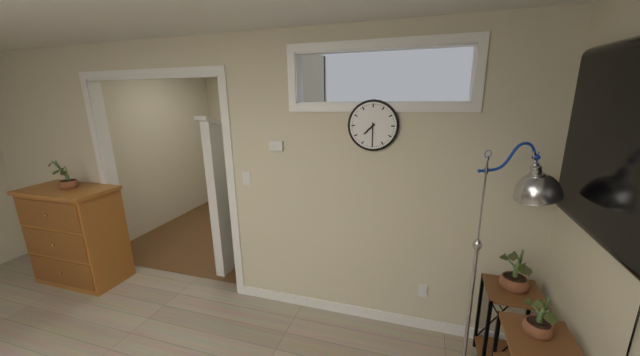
7 h 30 min
